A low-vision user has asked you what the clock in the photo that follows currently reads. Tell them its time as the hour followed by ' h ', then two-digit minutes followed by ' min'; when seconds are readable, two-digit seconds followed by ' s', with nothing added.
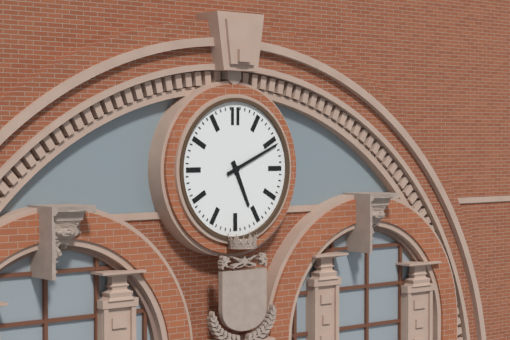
5 h 11 min
